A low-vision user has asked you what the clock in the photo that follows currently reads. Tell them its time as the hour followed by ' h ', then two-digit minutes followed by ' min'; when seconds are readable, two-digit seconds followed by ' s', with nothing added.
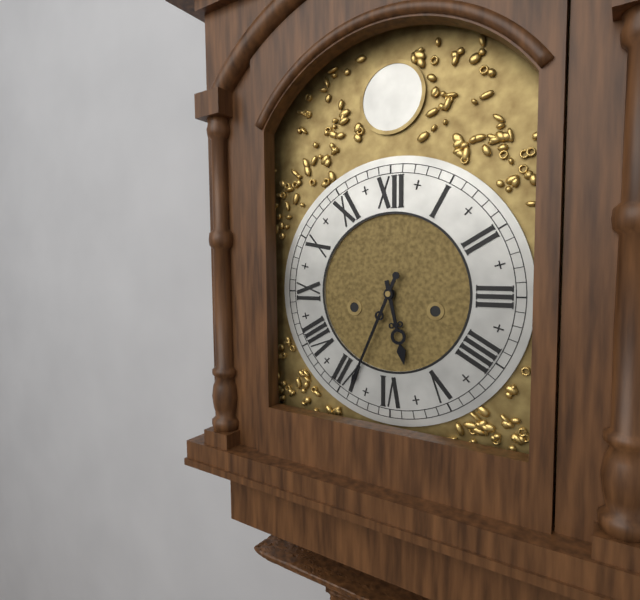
5 h 34 min
